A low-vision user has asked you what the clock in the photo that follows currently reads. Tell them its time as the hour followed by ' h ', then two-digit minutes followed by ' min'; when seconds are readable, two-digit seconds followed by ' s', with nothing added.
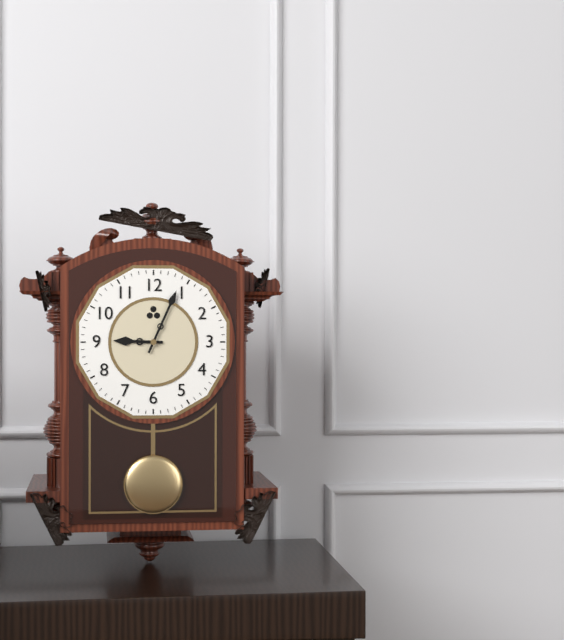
9 h 04 min
